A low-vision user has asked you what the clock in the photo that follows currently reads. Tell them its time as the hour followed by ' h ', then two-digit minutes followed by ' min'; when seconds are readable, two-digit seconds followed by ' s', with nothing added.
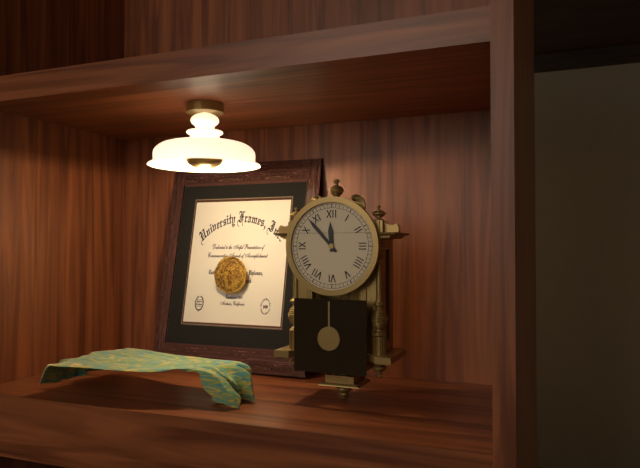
11 h 53 min
